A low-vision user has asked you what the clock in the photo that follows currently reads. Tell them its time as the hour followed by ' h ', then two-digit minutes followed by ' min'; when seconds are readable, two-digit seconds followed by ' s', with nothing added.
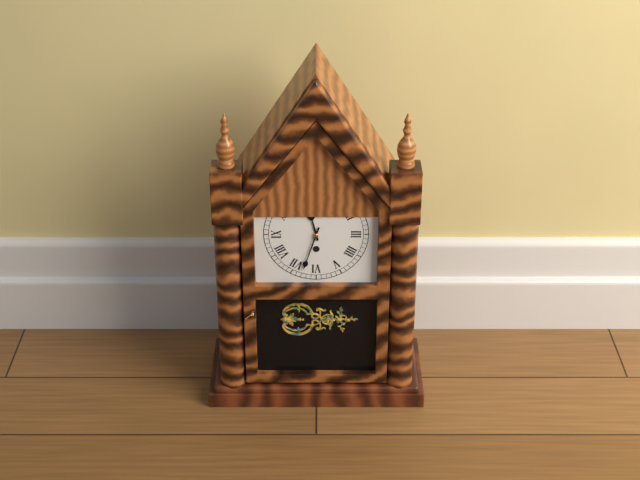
11 h 33 min
